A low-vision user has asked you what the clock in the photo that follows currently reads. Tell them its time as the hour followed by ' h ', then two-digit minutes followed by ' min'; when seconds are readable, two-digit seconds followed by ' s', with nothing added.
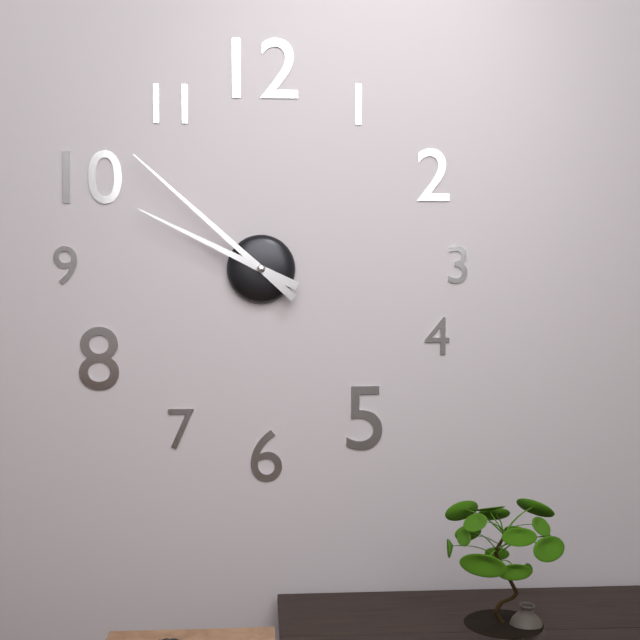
9 h 52 min
